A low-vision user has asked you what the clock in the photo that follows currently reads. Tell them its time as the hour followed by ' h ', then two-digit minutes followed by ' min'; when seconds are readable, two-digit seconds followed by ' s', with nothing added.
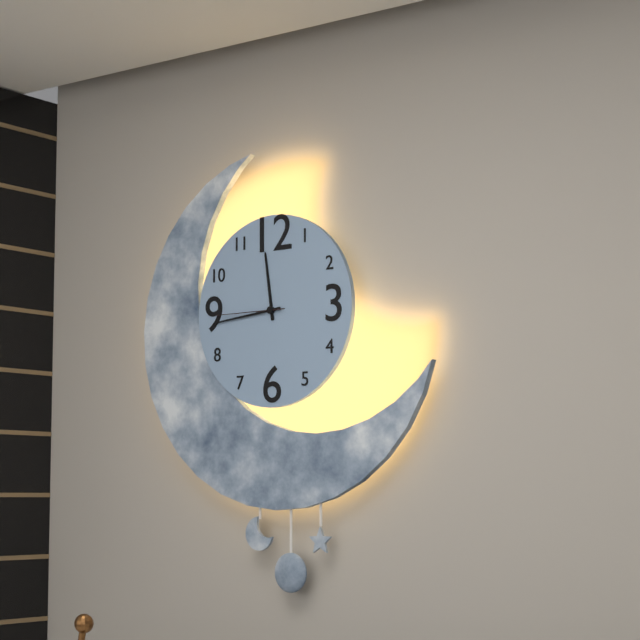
11 h 44 min 45 s
